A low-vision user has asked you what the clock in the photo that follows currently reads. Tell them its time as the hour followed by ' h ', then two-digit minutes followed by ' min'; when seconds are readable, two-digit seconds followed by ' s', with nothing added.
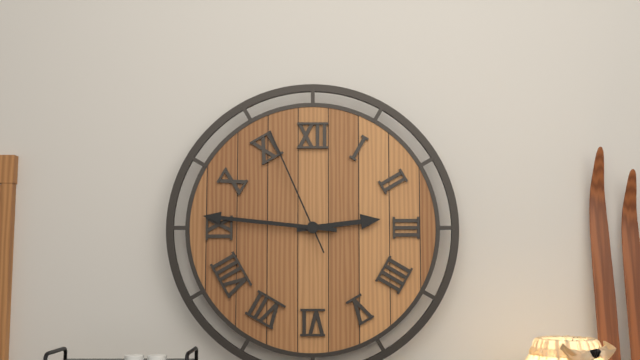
2 h 46 min 56 s
